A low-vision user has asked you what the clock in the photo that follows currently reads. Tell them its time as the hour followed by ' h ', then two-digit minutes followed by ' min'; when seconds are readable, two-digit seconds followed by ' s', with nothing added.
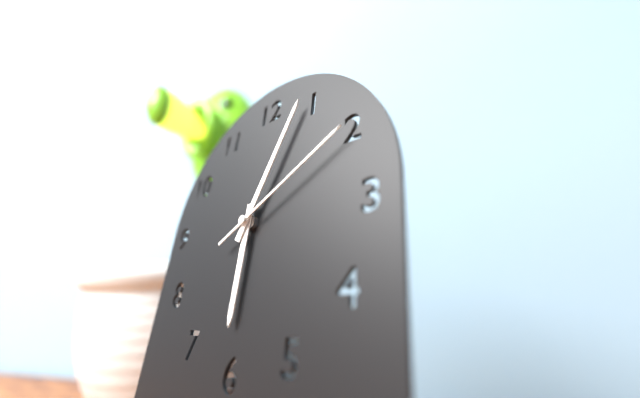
6 h 04 min 10 s
